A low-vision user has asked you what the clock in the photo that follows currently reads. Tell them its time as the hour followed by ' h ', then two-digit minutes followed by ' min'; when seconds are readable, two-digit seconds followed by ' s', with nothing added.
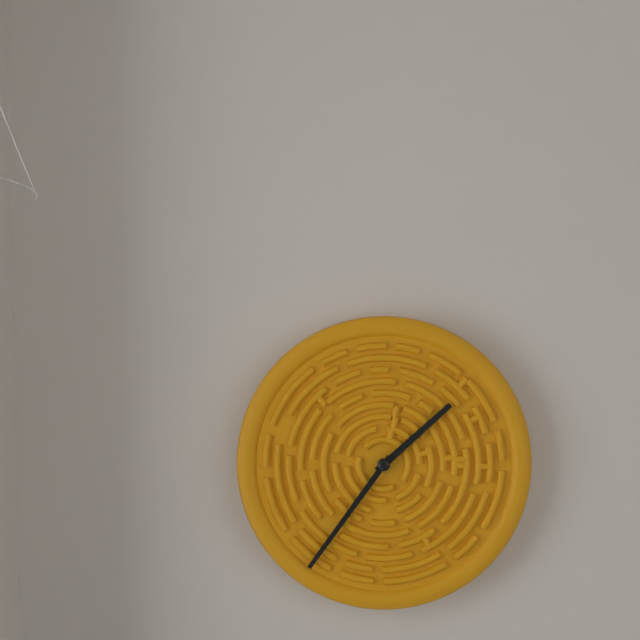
1 h 36 min
